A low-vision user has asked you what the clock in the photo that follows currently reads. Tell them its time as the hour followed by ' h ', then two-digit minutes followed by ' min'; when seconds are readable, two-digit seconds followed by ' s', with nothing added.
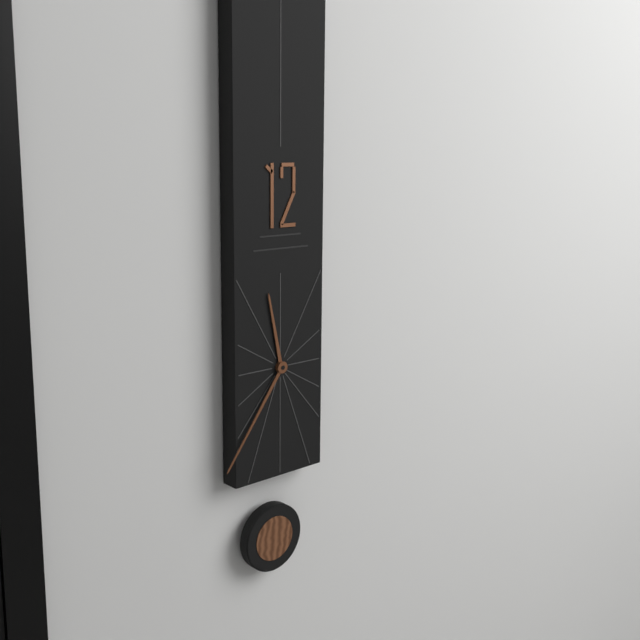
11 h 36 min
